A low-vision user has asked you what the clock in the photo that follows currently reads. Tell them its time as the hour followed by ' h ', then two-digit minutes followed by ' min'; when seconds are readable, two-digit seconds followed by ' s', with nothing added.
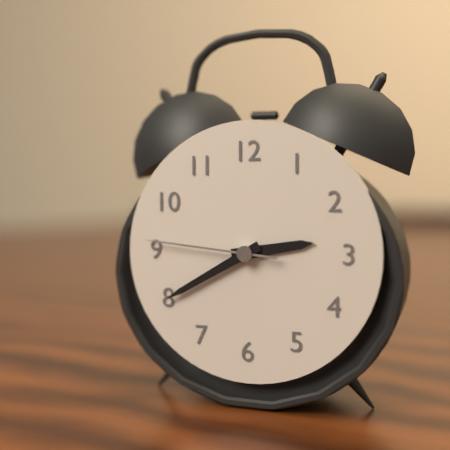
2 h 40 min 46 s
